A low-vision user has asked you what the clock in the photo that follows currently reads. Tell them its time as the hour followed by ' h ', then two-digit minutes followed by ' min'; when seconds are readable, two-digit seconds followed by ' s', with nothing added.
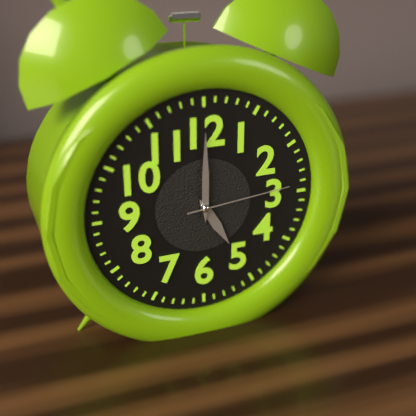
5 h 00 min 14 s
